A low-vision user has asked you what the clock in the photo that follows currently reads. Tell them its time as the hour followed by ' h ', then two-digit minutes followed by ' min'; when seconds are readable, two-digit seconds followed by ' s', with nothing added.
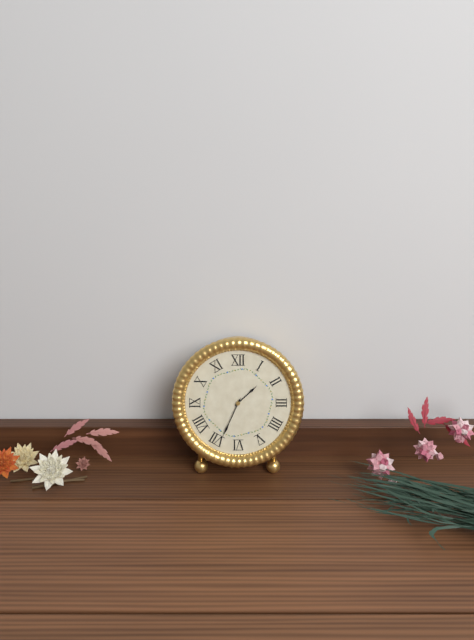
1 h 34 min
